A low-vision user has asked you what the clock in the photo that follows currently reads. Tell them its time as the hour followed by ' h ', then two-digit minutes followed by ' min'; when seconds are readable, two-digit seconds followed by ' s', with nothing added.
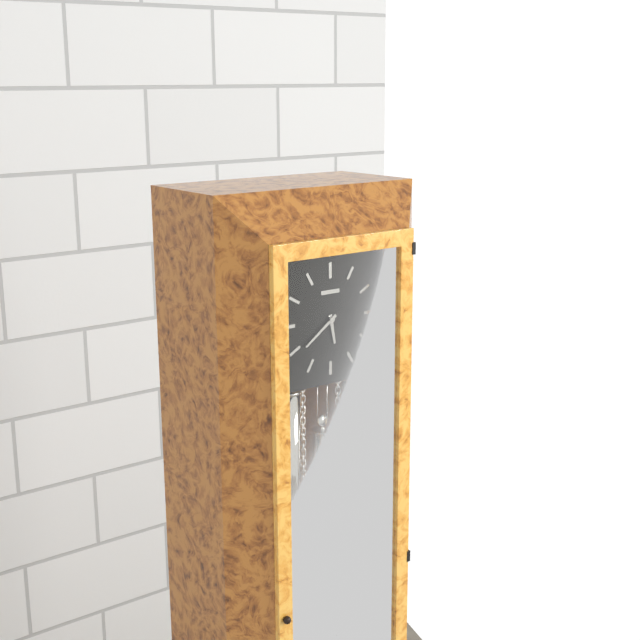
5 h 39 min
